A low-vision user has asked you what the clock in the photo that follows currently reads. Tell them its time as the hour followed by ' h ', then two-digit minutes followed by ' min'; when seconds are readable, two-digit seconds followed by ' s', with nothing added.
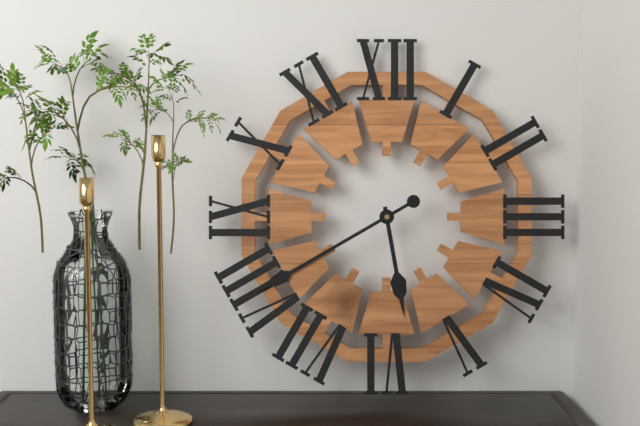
5 h 40 min
